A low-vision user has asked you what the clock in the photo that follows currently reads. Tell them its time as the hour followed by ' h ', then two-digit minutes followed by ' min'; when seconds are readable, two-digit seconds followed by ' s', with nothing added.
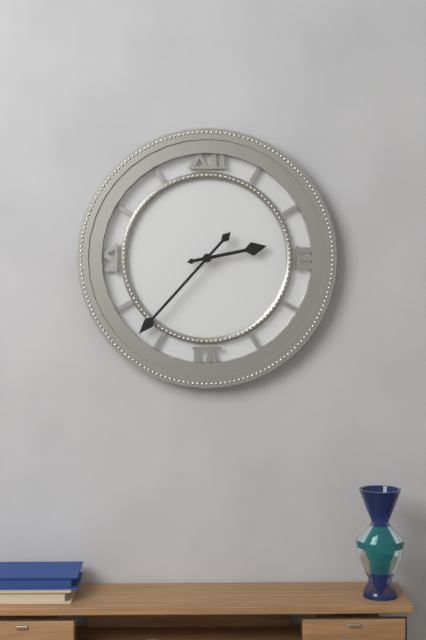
2 h 37 min
